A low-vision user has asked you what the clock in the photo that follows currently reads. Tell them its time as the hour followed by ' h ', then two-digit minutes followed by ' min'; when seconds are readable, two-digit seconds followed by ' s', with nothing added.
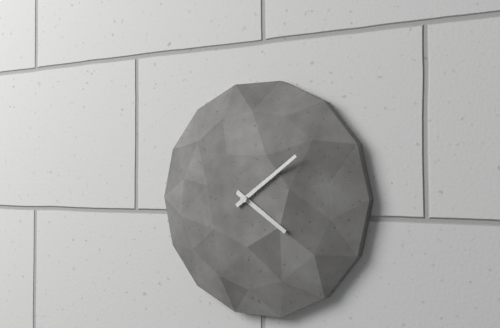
4 h 09 min
